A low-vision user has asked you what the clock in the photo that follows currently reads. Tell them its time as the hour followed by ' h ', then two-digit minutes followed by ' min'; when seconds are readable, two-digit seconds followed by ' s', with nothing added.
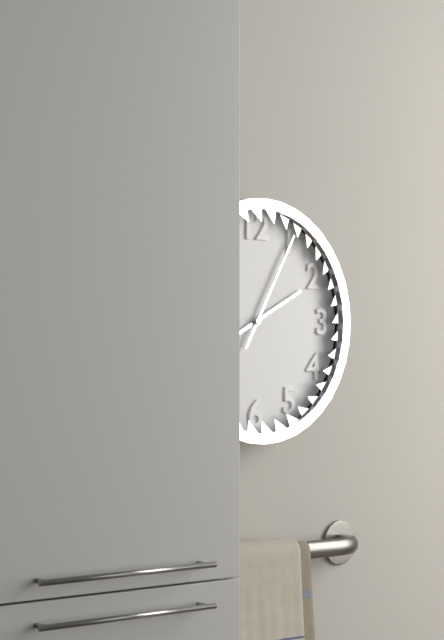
2 h 05 min
